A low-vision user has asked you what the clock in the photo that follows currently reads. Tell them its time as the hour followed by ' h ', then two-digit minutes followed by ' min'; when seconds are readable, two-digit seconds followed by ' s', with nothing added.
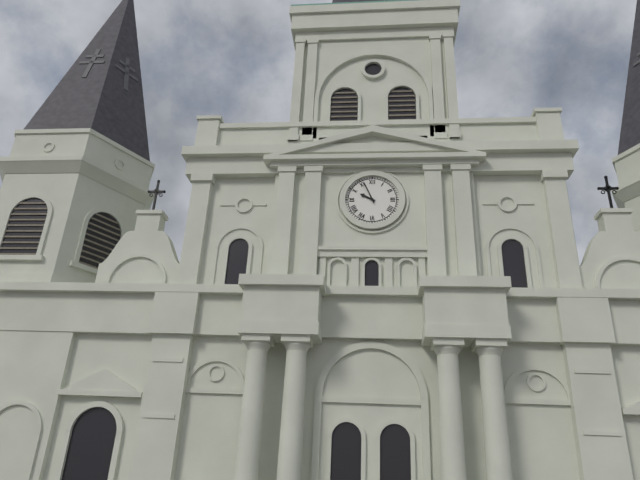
9 h 56 min
